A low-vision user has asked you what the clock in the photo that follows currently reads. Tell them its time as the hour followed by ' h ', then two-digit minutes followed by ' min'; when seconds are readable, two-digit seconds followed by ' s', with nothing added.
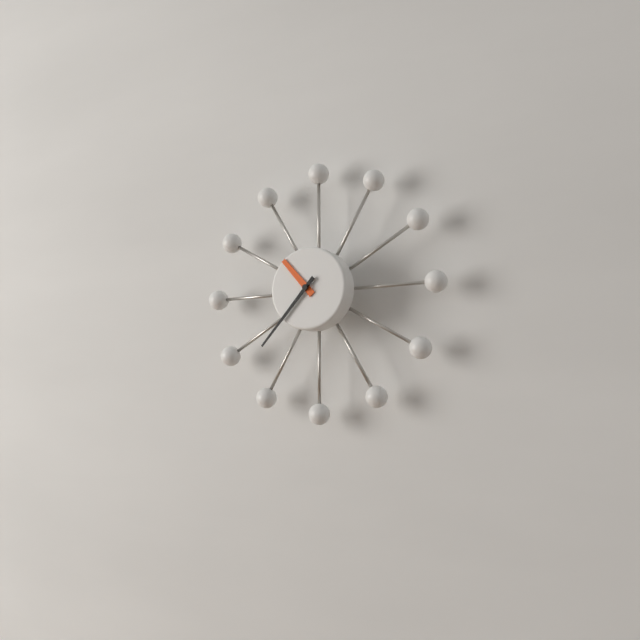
10 h 37 min
